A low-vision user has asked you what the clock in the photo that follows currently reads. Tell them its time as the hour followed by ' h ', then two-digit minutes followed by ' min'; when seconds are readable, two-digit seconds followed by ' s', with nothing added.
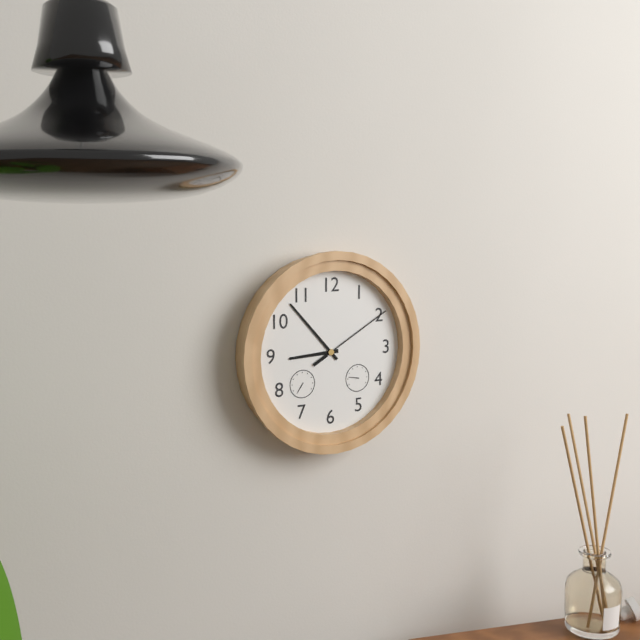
8 h 53 min 10 s
